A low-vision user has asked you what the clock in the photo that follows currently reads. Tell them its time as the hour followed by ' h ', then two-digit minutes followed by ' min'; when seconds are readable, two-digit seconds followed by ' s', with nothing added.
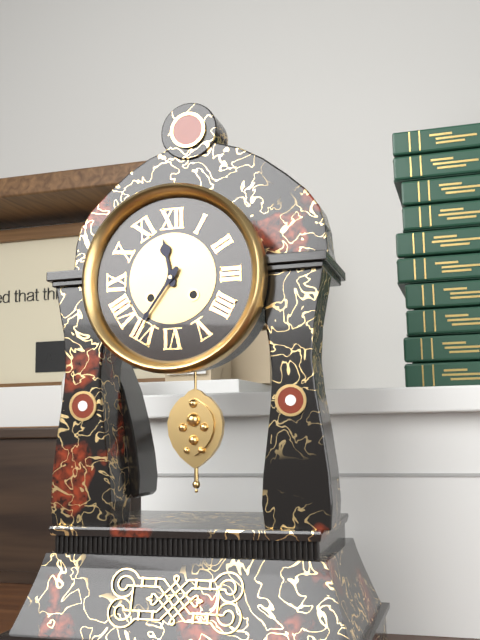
11 h 36 min
